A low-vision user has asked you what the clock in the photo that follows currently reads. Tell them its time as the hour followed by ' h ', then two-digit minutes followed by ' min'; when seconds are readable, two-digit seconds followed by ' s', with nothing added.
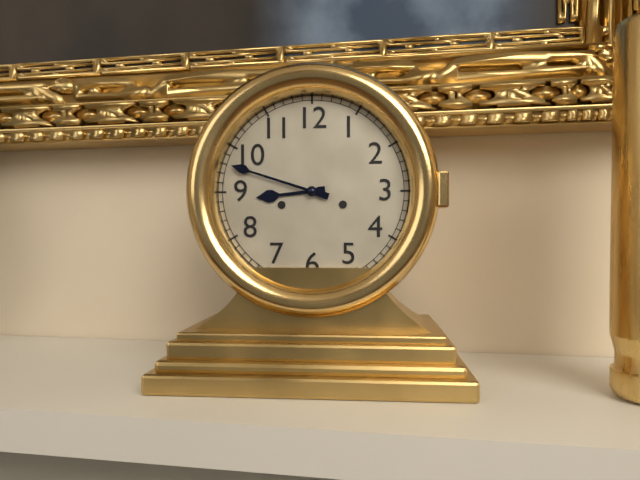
8 h 48 min
